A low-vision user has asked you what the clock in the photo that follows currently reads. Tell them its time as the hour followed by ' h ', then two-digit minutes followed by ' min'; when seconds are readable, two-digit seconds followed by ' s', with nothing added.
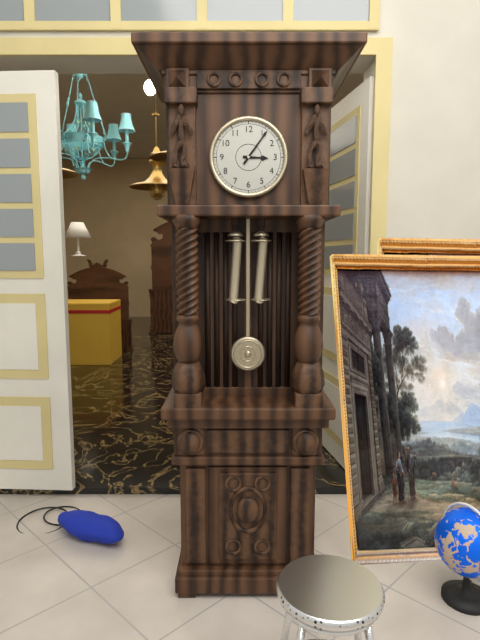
3 h 06 min
